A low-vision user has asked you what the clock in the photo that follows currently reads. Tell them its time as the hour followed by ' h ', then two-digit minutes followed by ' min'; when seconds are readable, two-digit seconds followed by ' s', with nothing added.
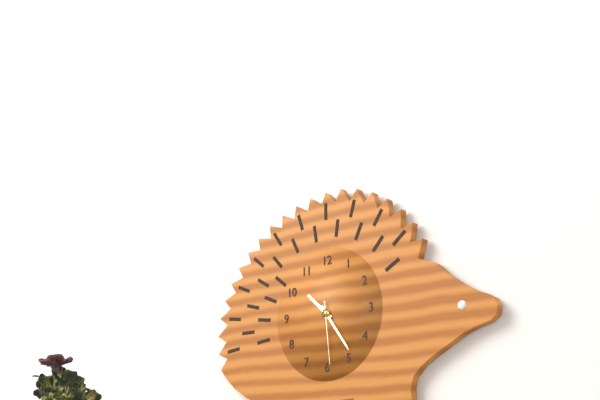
10 h 24 min 29 s
